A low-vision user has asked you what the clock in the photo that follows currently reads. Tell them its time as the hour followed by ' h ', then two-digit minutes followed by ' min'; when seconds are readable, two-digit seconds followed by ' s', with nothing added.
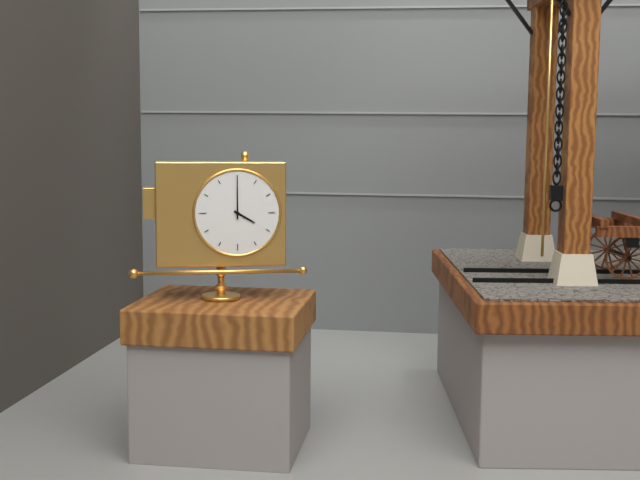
4 h 00 min
